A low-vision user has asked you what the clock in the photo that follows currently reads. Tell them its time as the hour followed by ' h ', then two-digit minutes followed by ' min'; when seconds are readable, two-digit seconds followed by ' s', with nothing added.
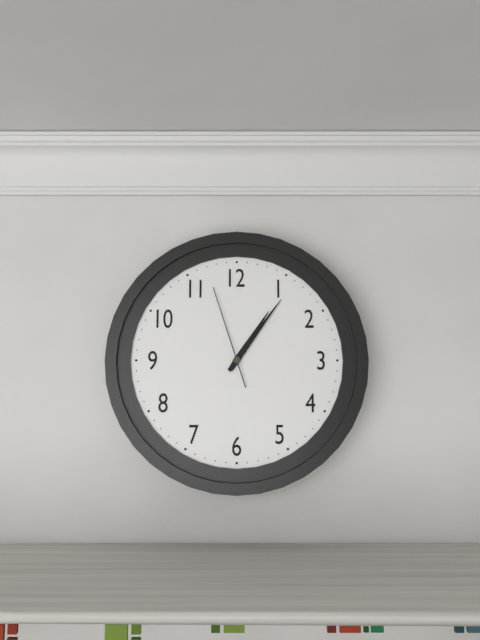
1 h 06 min 57 s
